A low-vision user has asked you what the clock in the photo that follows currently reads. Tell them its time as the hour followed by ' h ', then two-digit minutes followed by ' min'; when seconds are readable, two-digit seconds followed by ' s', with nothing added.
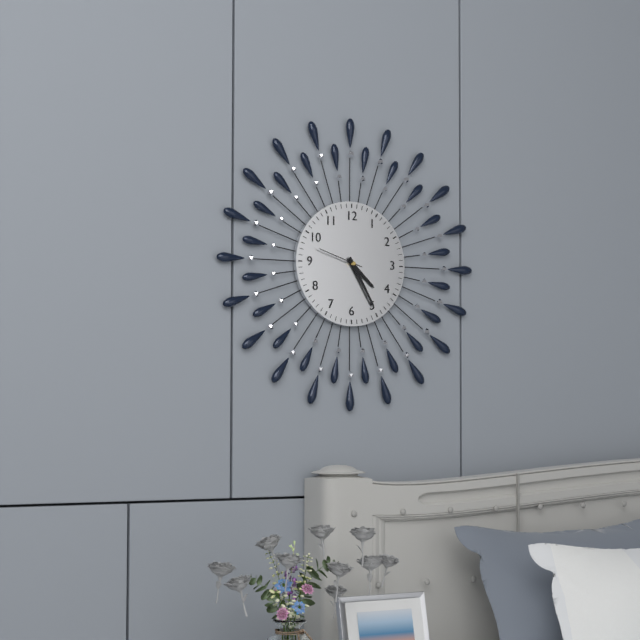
4 h 25 min
